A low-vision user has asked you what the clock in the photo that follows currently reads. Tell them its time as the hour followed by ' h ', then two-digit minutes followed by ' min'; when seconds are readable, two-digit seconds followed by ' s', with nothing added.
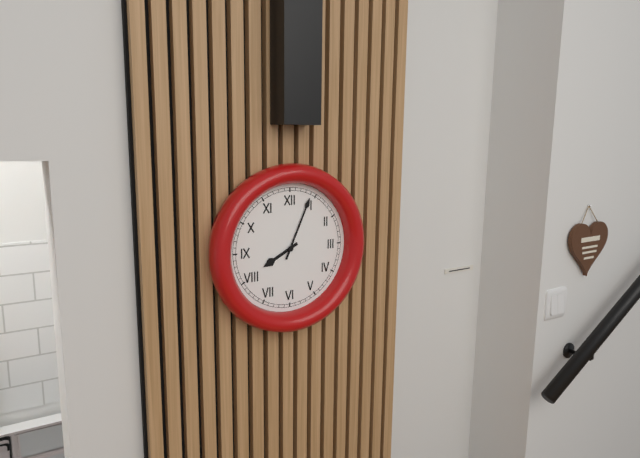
8 h 04 min
